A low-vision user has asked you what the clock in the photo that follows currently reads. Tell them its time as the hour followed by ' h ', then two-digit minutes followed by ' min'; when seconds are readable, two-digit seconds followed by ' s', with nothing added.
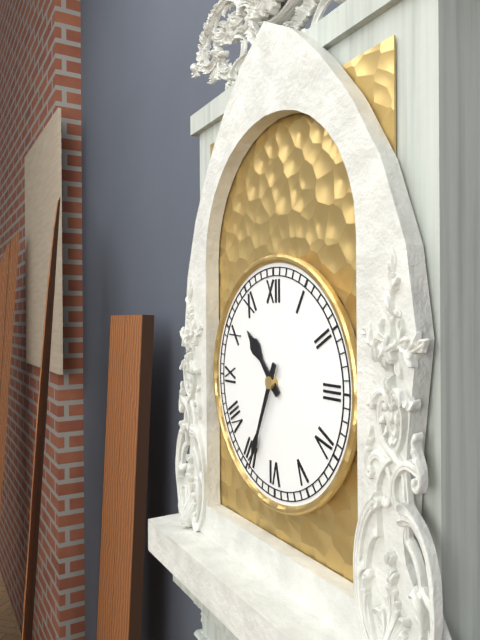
10 h 34 min
